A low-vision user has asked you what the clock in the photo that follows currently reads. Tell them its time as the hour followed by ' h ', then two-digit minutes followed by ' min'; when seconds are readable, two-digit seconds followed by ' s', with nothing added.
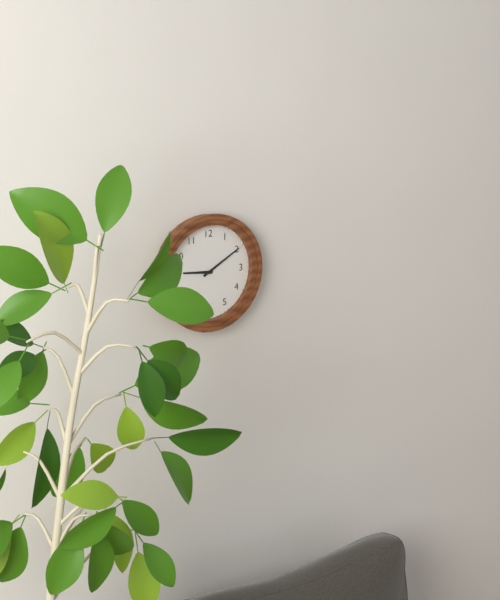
9 h 10 min
